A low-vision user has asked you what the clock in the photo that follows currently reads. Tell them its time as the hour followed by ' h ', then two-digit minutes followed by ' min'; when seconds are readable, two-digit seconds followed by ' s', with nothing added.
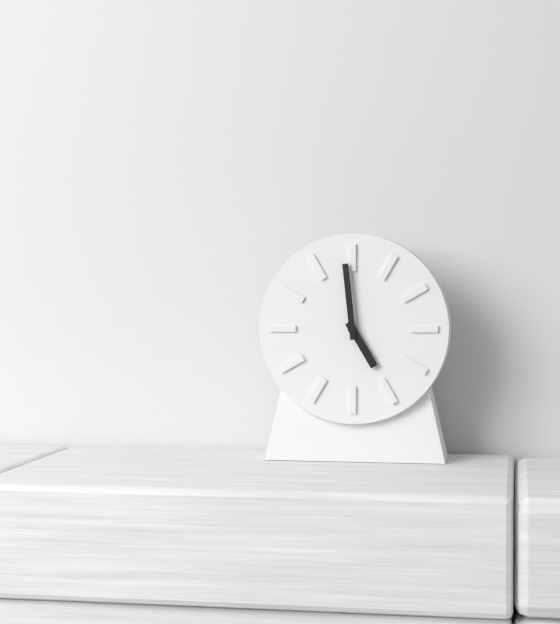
4 h 59 min
